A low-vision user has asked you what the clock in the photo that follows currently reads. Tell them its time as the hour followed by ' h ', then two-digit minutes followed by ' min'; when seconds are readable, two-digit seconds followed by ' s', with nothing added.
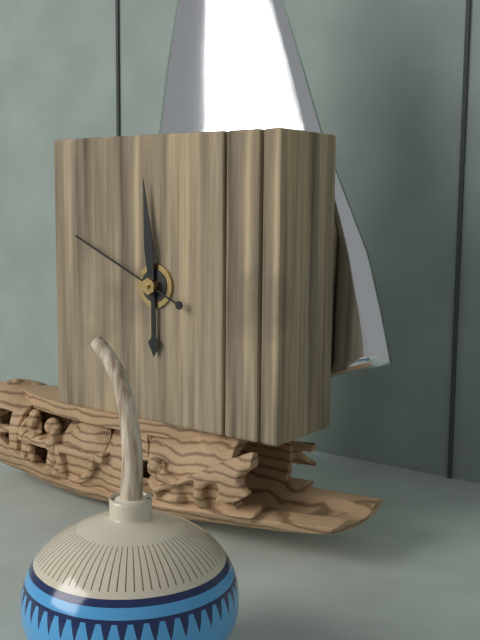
5 h 59 min 49 s
